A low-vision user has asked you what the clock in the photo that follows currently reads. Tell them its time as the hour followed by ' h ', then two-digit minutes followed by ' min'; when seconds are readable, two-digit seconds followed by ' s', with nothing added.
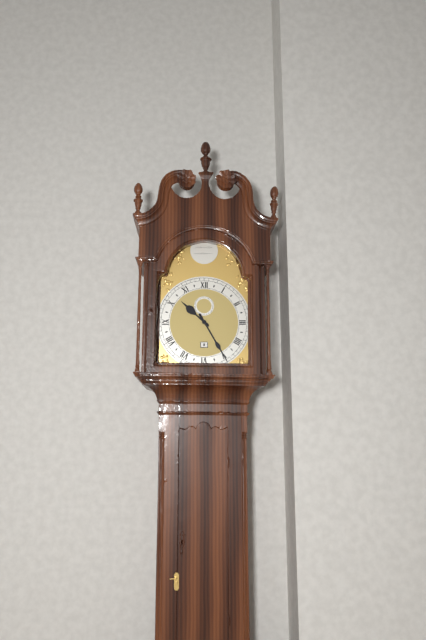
10 h 25 min
